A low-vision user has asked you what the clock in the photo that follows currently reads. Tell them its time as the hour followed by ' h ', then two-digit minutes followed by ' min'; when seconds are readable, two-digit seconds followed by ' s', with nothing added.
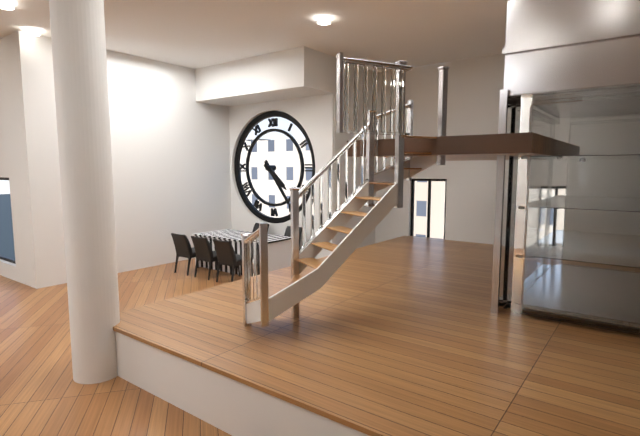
4 h 24 min
